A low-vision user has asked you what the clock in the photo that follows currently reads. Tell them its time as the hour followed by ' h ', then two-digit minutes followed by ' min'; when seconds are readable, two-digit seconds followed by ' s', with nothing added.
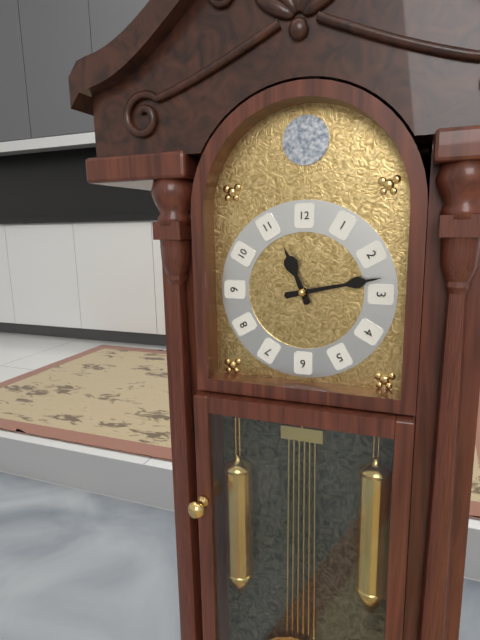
11 h 13 min
